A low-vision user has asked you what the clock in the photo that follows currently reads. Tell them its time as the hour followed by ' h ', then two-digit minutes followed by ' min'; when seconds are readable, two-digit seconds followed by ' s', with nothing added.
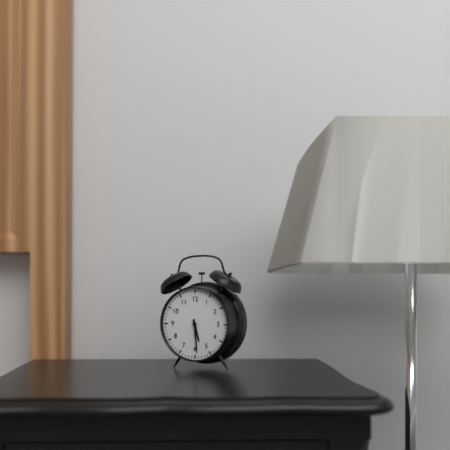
5 h 29 min
